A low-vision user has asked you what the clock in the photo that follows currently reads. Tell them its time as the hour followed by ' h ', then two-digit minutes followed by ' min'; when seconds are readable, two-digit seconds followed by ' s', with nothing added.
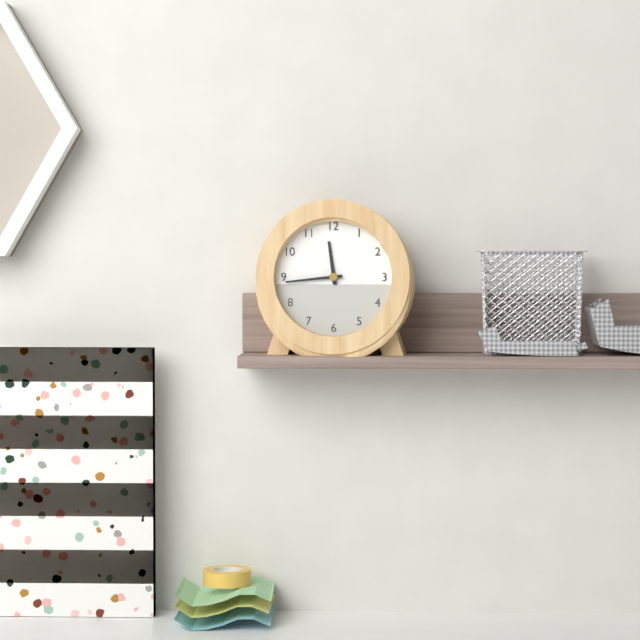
11 h 44 min
